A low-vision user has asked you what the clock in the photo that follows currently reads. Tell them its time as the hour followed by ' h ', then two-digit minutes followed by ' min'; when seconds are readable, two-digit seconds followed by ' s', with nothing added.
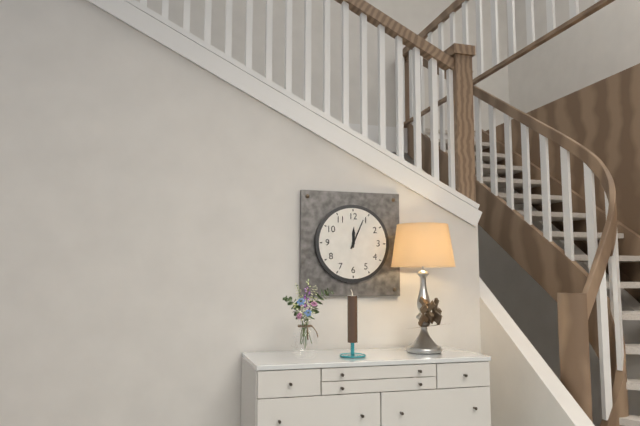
12 h 04 min
